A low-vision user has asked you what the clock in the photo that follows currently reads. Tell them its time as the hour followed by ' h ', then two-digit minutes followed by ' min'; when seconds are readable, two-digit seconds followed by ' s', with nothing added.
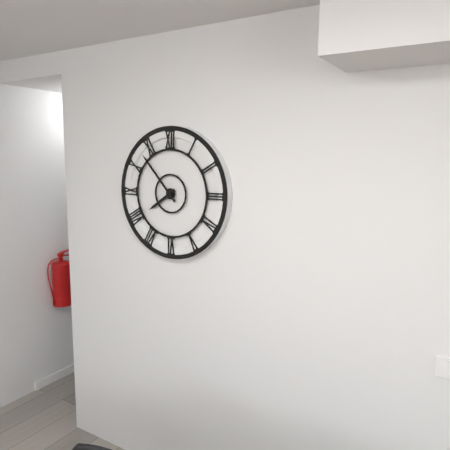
7 h 53 min
